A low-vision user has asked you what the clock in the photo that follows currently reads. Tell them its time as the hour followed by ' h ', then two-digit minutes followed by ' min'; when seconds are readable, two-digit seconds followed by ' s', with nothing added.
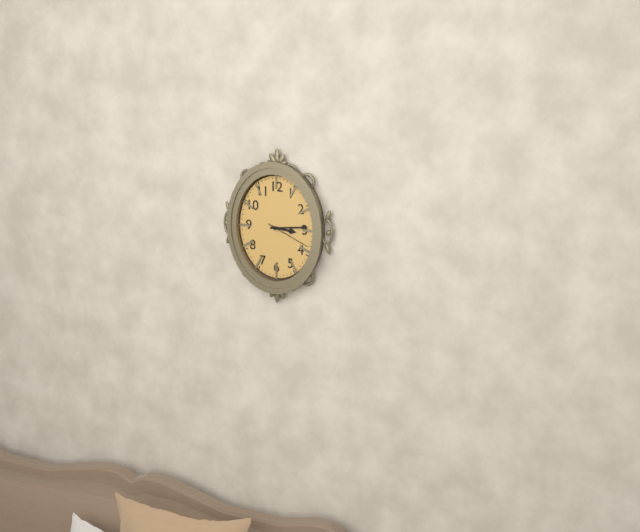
3 h 14 min
